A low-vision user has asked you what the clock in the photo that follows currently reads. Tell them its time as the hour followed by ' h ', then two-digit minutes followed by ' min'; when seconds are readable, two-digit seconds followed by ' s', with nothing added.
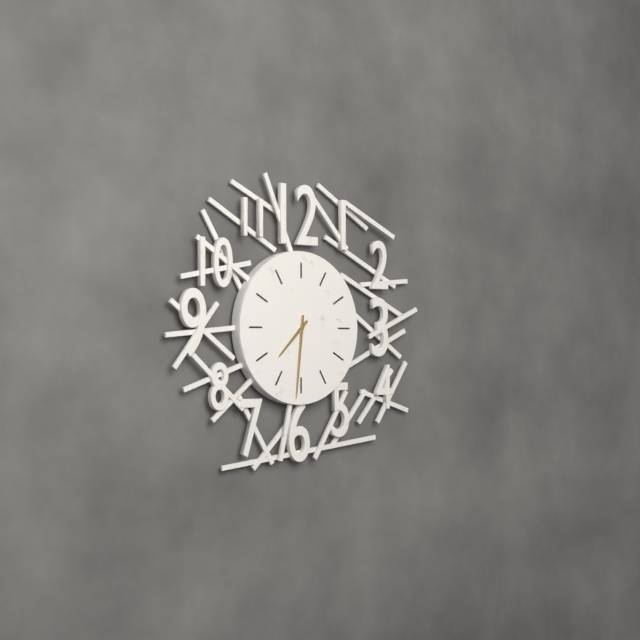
7 h 31 min
